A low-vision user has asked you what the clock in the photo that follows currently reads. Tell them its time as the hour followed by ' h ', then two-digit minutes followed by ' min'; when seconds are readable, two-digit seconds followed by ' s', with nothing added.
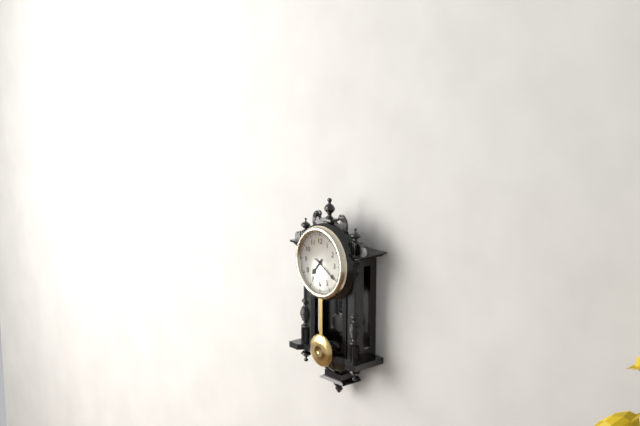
7 h 20 min
